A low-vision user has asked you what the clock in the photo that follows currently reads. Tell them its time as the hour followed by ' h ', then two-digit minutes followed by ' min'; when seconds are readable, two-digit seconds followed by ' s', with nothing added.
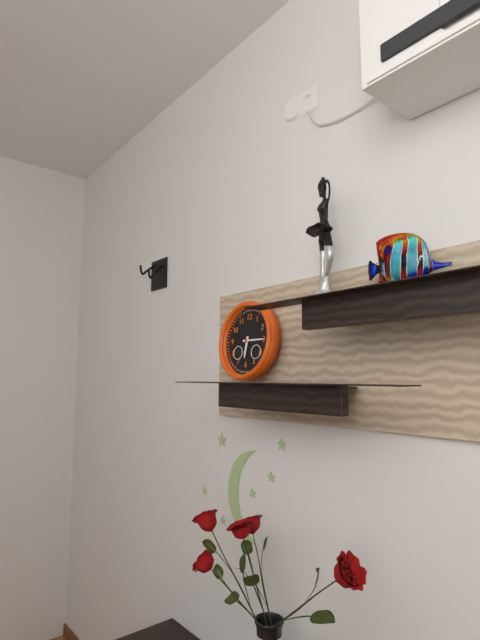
6 h 15 min
